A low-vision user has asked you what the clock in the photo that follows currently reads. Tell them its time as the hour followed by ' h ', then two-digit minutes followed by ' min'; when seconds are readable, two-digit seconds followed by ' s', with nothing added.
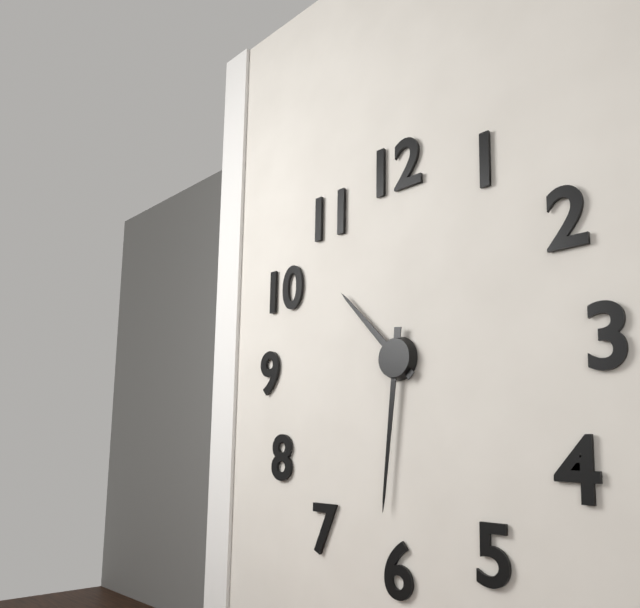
10 h 31 min
